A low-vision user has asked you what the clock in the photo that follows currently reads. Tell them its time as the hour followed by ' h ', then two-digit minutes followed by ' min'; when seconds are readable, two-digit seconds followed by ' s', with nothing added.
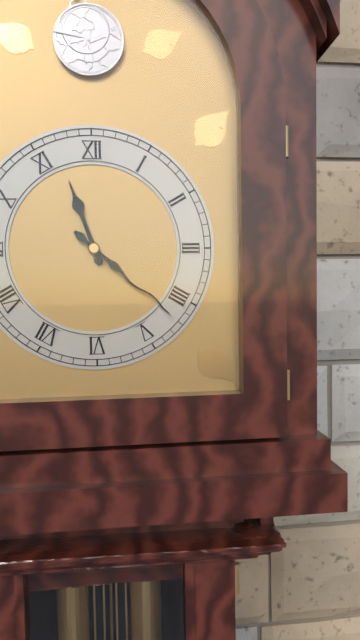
11 h 22 min
